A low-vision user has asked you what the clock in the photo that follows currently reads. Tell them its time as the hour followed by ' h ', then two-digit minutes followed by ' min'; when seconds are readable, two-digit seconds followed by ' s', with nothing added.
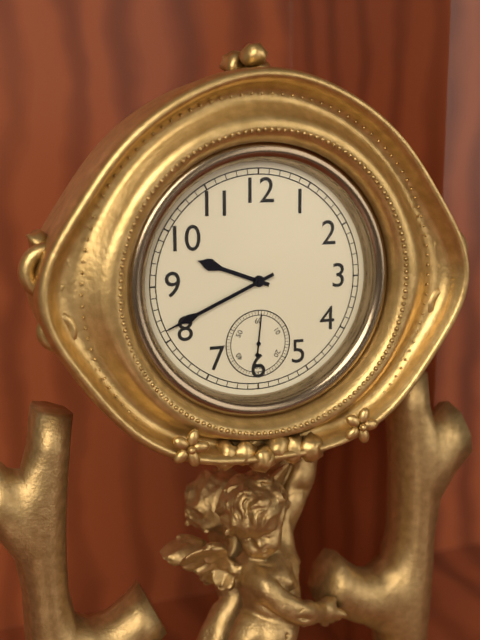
9 h 41 min
